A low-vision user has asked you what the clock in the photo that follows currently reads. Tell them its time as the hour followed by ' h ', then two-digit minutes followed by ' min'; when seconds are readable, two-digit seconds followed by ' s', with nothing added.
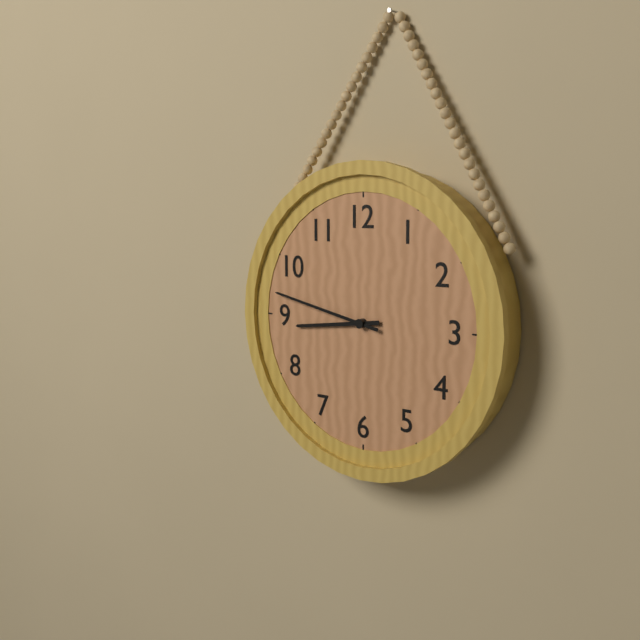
8 h 47 min
